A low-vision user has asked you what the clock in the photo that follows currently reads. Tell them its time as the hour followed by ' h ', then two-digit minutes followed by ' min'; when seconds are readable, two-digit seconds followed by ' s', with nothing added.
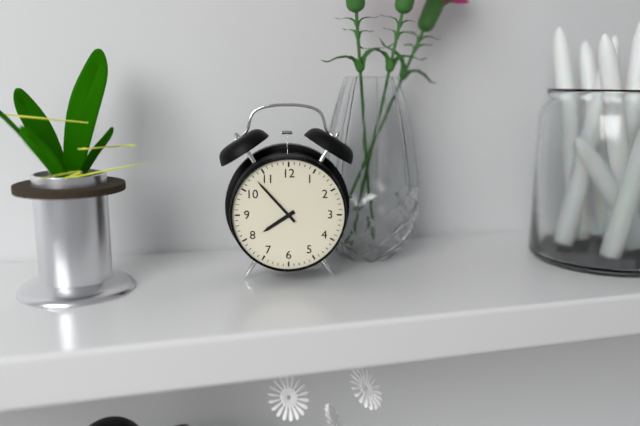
7 h 53 min
